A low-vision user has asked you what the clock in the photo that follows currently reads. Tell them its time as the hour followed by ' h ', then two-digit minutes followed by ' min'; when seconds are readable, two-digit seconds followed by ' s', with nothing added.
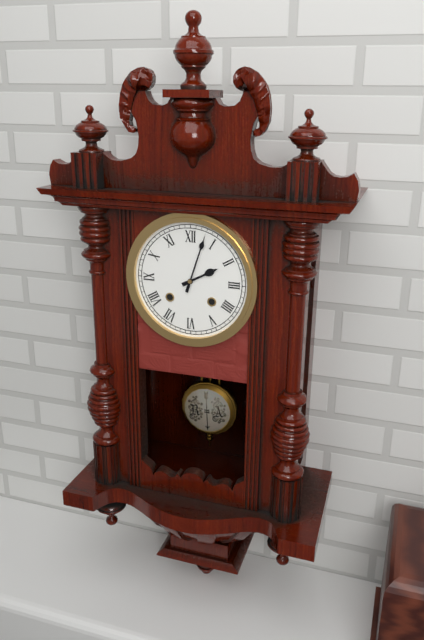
2 h 03 min
